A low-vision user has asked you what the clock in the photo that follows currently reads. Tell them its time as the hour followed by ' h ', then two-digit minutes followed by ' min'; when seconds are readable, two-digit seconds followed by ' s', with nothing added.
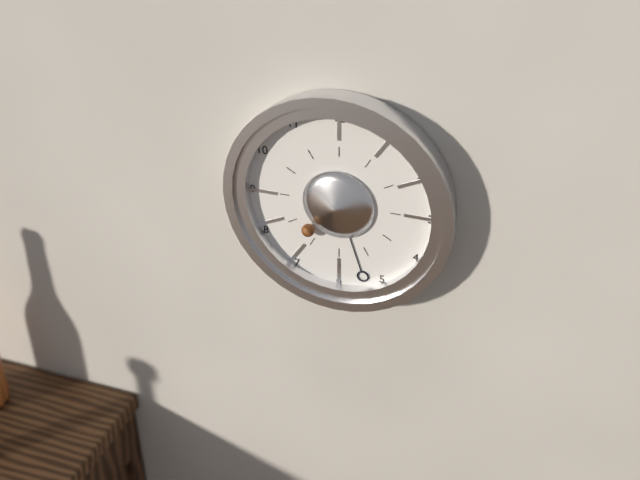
7 h 27 min
